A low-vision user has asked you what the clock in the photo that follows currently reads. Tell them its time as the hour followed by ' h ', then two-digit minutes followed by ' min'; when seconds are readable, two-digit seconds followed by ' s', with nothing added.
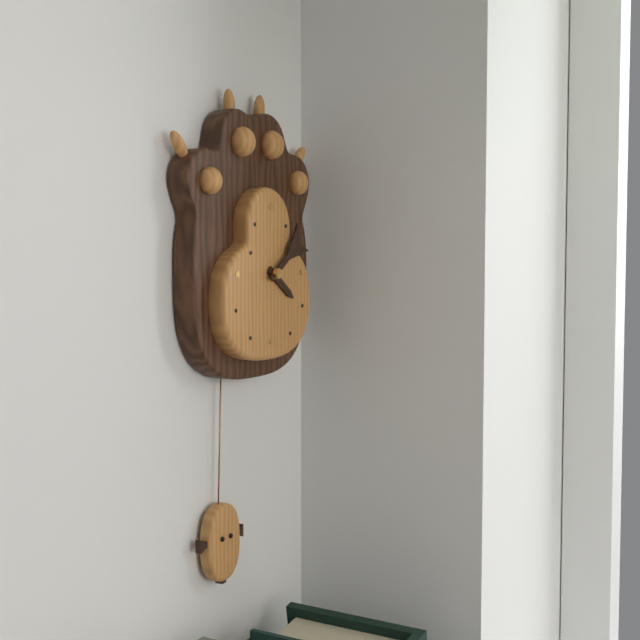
4 h 09 min
